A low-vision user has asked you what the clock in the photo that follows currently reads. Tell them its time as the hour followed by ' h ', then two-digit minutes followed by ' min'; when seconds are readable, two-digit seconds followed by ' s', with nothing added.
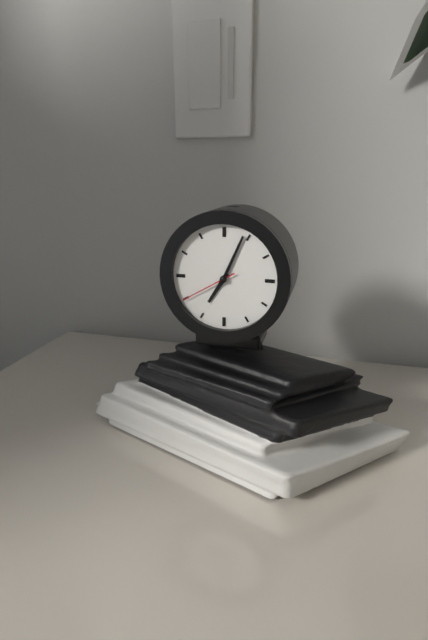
7 h 04 min 40 s
